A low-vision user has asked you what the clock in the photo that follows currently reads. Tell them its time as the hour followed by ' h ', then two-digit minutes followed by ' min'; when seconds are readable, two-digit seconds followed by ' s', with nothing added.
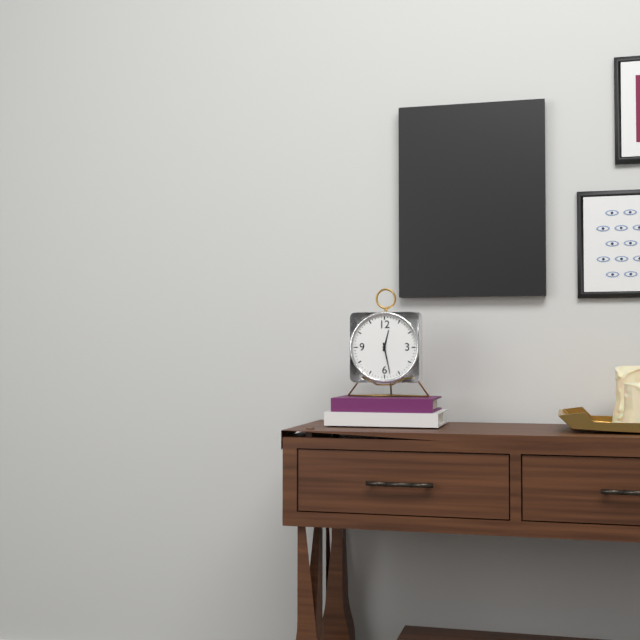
12 h 28 min
